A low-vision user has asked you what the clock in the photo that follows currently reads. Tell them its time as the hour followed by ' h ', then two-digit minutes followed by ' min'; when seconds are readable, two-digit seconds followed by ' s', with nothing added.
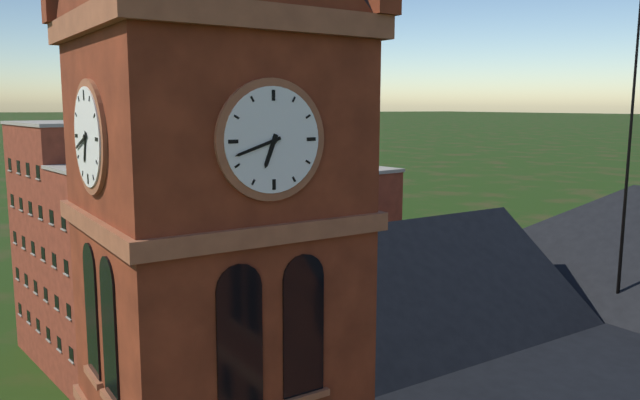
6 h 42 min
